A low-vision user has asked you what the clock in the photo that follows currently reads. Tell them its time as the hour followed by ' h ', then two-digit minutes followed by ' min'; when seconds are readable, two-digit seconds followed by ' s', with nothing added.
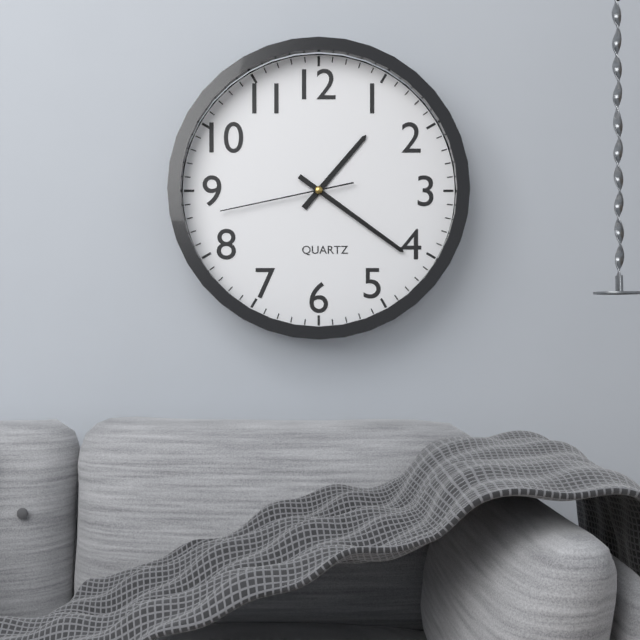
1 h 21 min 43 s
